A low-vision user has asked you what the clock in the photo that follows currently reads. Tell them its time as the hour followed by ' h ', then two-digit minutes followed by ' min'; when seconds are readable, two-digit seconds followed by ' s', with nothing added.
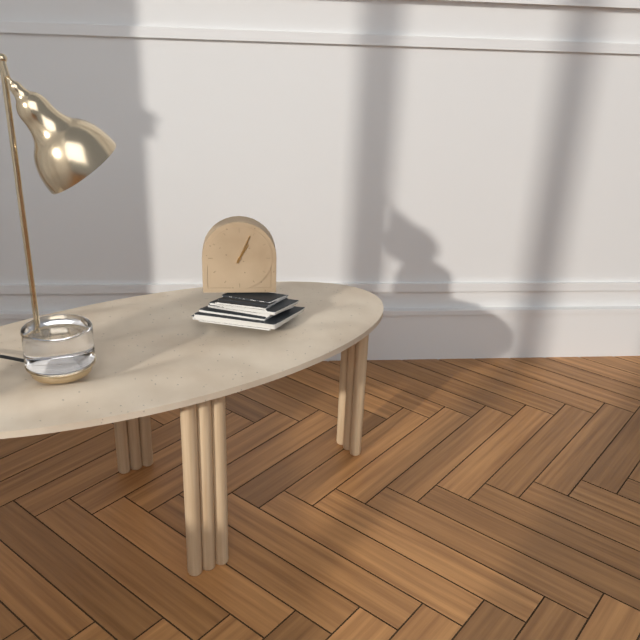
1 h 04 min
